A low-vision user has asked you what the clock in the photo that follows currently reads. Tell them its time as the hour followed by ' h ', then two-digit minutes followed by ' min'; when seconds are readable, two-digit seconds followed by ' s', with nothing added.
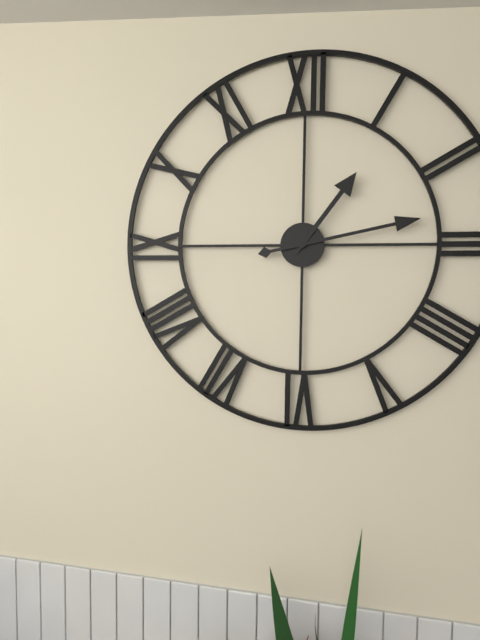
1 h 13 min
